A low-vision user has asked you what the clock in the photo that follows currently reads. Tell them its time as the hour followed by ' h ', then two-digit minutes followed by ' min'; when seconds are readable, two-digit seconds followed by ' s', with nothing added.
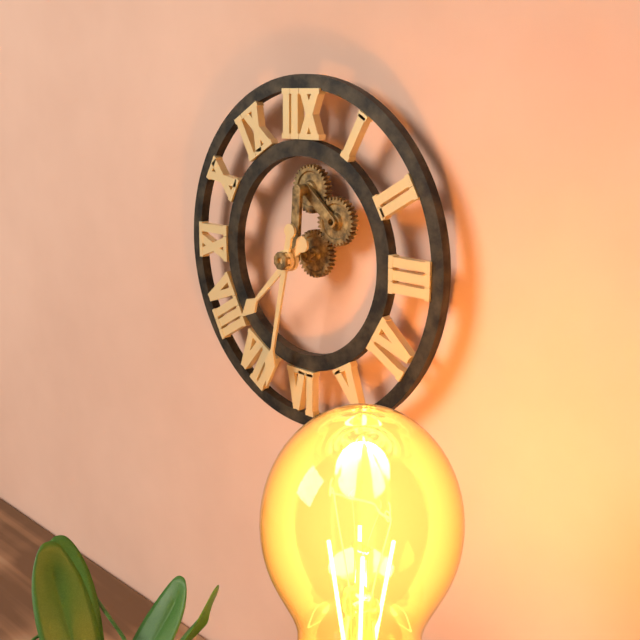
7 h 32 min
